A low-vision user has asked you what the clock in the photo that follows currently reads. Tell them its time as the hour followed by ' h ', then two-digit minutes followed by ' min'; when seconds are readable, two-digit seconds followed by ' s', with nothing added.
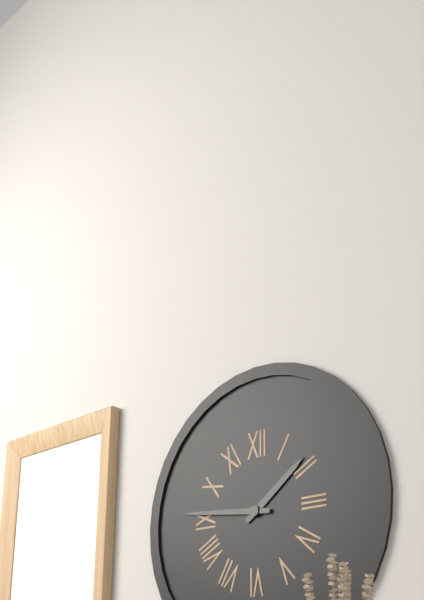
1 h 46 min
